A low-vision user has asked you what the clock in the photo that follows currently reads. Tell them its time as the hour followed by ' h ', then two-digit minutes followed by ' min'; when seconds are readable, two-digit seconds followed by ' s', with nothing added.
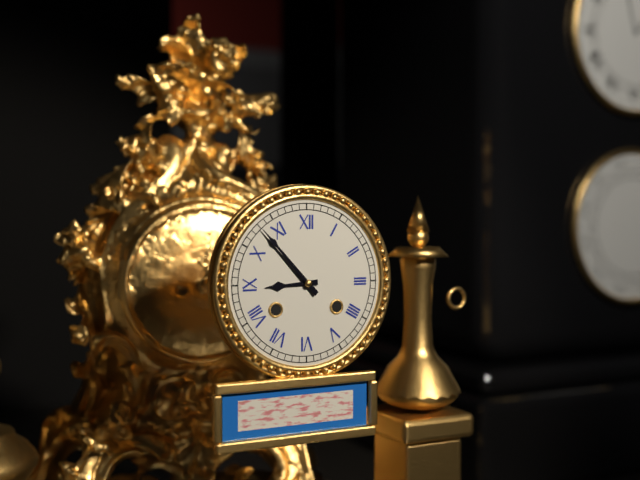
8 h 53 min
